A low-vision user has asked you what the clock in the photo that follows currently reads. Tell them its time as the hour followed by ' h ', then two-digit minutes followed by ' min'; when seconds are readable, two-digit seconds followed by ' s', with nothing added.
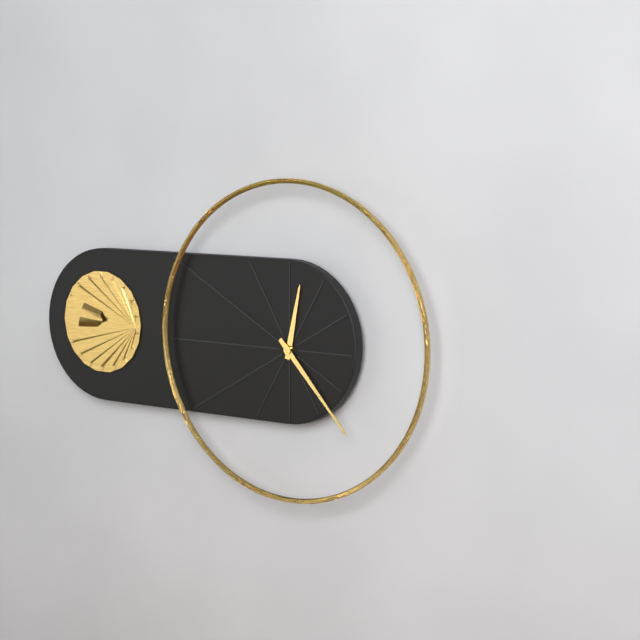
12 h 23 min
